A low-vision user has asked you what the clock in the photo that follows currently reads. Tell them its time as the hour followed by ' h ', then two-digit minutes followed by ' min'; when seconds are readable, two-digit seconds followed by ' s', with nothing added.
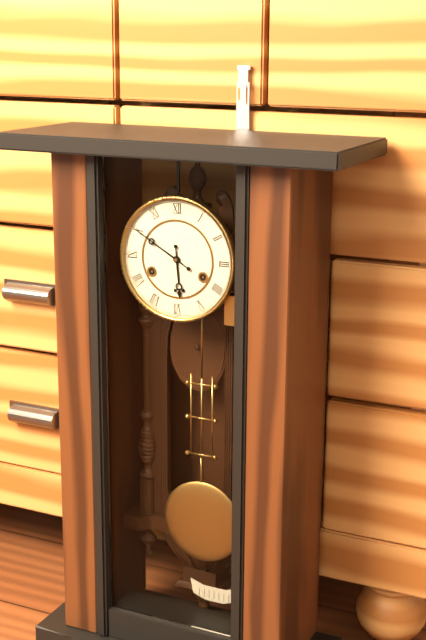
5 h 50 min
